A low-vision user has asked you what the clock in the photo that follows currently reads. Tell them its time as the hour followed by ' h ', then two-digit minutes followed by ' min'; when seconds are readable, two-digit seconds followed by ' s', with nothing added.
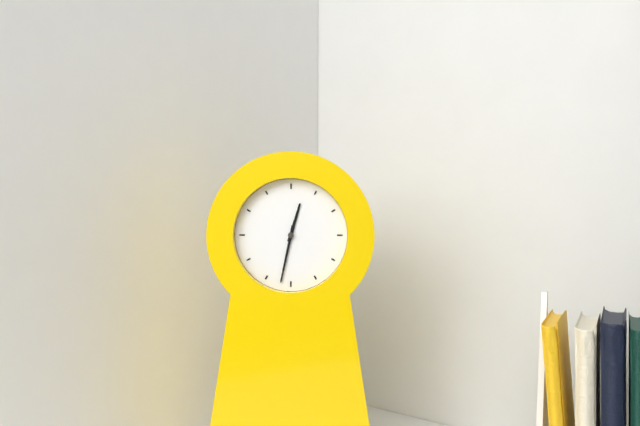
12 h 32 min
